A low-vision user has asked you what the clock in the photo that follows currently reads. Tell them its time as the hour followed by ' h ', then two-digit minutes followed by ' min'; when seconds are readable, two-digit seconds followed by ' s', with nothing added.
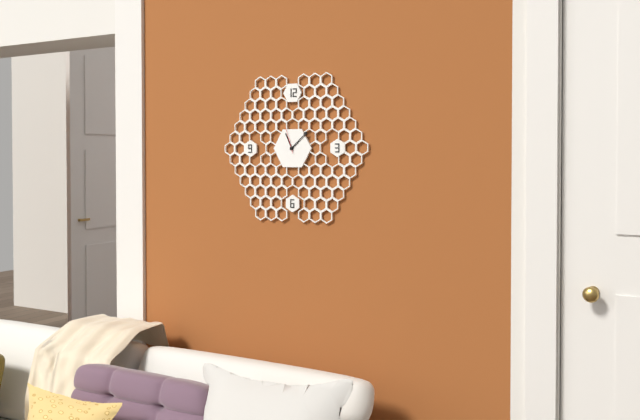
11 h 08 min
